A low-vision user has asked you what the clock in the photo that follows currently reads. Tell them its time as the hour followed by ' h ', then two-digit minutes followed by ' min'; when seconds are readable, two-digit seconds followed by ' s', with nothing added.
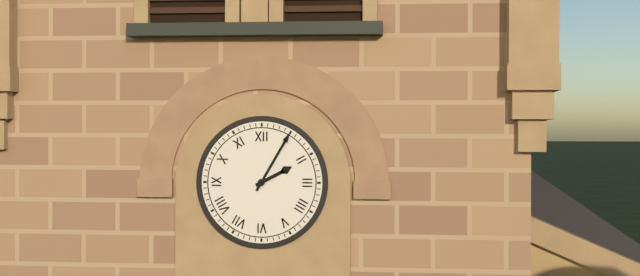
2 h 05 min
